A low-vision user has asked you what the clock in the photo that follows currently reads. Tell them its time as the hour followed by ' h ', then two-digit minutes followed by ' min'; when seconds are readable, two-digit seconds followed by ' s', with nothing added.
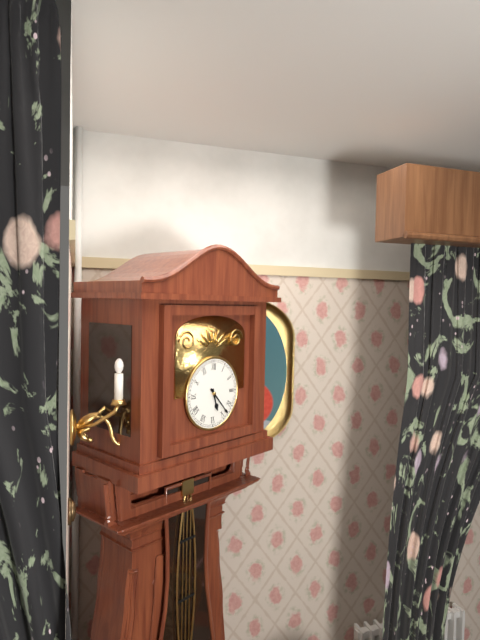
5 h 23 min
